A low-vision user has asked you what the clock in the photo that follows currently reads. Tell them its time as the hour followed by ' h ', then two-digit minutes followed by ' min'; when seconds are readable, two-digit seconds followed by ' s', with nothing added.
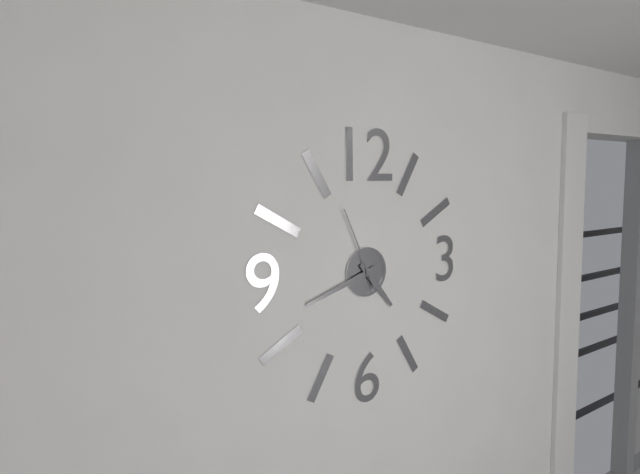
4 h 42 min 56 s
